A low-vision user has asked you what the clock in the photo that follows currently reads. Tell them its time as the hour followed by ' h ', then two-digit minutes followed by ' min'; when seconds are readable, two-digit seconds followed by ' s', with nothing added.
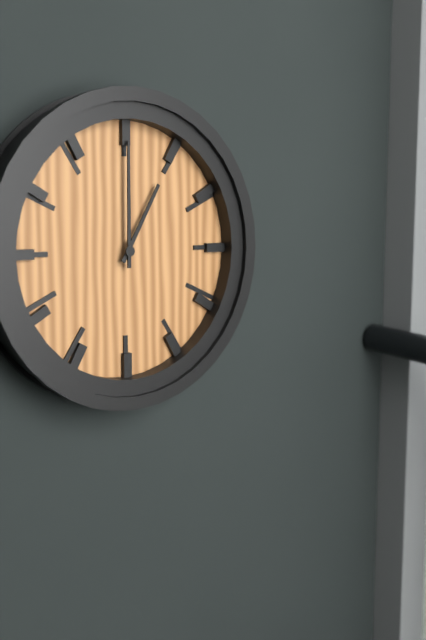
1 h 00 min
